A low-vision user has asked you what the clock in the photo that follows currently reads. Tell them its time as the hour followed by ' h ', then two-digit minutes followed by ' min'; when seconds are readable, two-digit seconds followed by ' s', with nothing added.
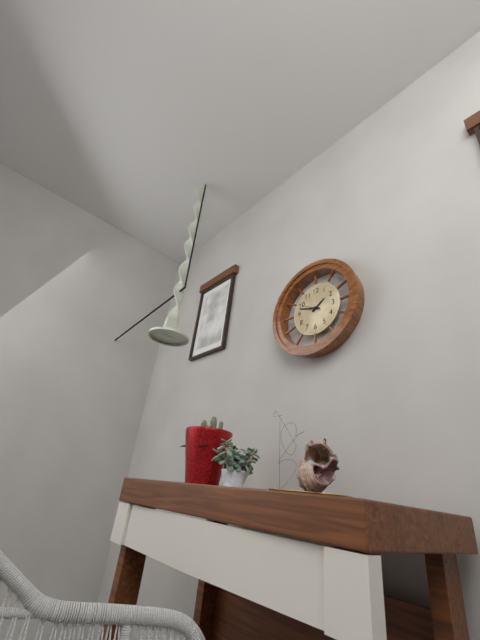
1 h 48 min
